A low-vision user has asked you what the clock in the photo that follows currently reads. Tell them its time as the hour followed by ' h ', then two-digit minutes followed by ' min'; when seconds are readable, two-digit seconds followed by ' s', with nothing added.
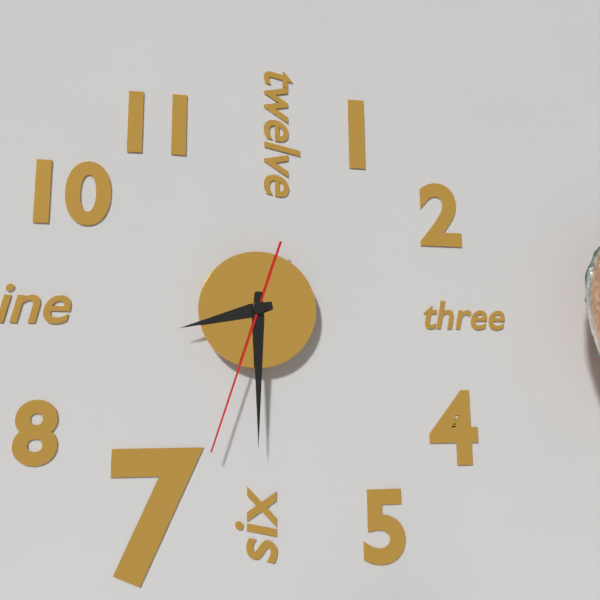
8 h 30 min 33 s
